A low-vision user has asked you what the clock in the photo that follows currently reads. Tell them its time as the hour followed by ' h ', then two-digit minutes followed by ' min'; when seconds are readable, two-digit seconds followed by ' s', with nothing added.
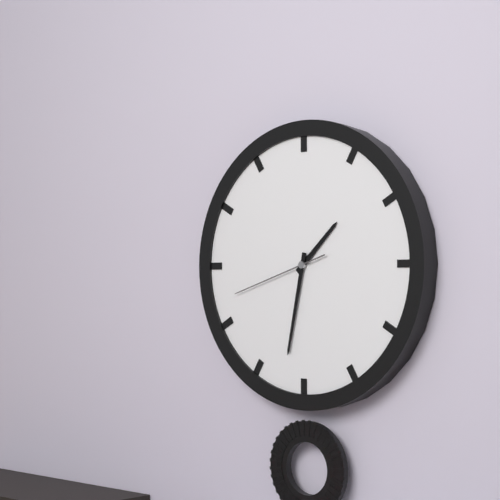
1 h 32 min 42 s
